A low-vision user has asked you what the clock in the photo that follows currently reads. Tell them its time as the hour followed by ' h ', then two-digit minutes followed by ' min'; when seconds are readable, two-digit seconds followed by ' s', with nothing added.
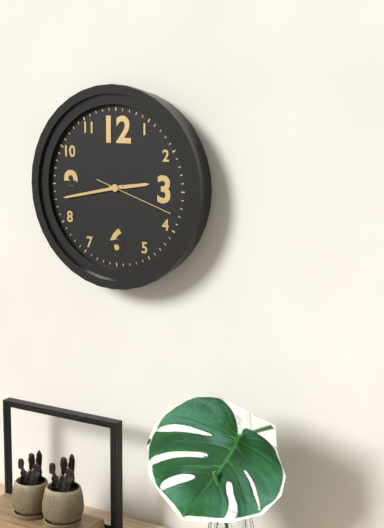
2 h 43 min 18 s
